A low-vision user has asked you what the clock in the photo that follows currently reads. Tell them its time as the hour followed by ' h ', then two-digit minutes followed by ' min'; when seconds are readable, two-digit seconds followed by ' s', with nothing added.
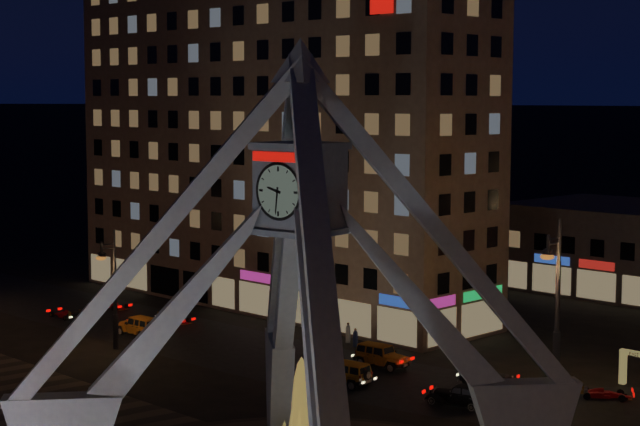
9 h 31 min
